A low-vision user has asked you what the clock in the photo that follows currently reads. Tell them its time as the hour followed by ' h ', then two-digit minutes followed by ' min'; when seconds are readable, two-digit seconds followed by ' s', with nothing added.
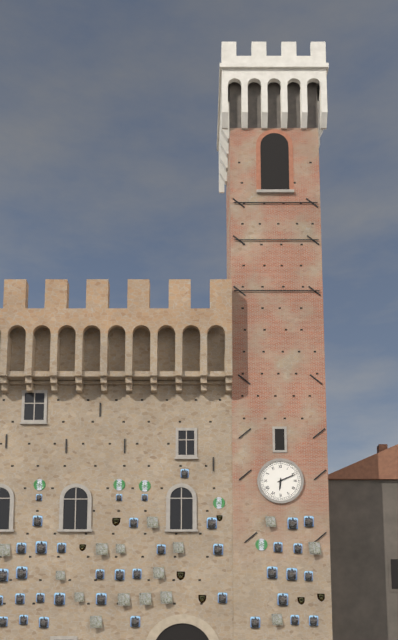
6 h 11 min
